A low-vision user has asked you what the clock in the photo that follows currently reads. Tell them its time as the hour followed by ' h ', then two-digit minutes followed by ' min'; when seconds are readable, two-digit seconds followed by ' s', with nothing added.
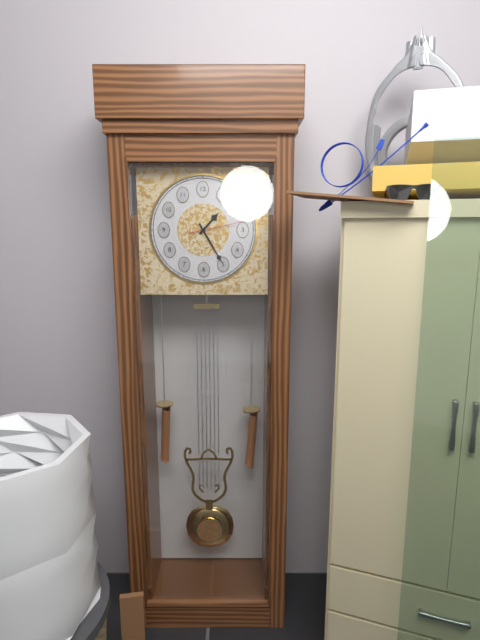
1 h 25 min 13 s
